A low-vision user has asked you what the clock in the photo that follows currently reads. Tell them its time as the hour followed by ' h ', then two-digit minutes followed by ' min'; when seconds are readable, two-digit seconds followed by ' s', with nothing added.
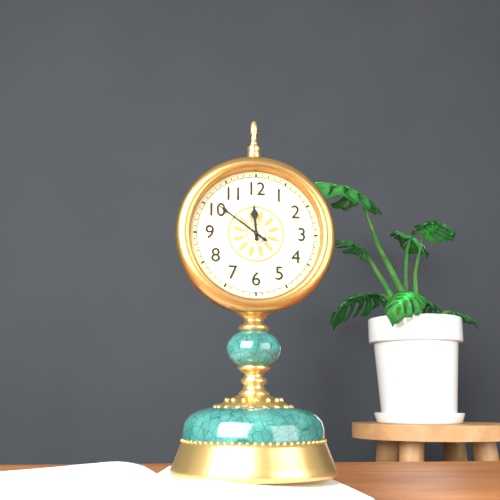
11 h 51 min
